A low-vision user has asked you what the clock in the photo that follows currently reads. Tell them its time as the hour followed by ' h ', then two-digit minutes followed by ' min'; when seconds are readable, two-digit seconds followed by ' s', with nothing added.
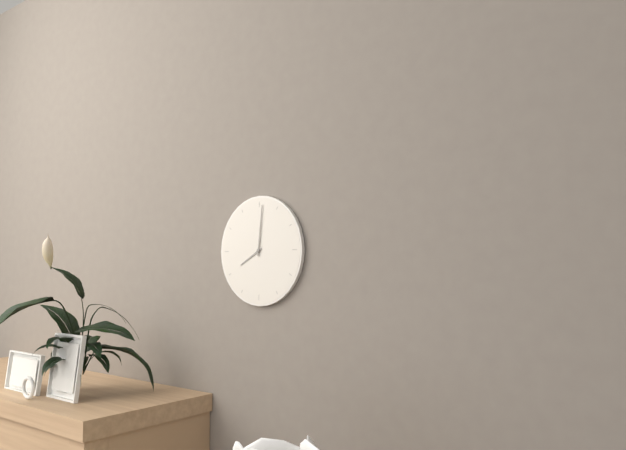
8 h 01 min
